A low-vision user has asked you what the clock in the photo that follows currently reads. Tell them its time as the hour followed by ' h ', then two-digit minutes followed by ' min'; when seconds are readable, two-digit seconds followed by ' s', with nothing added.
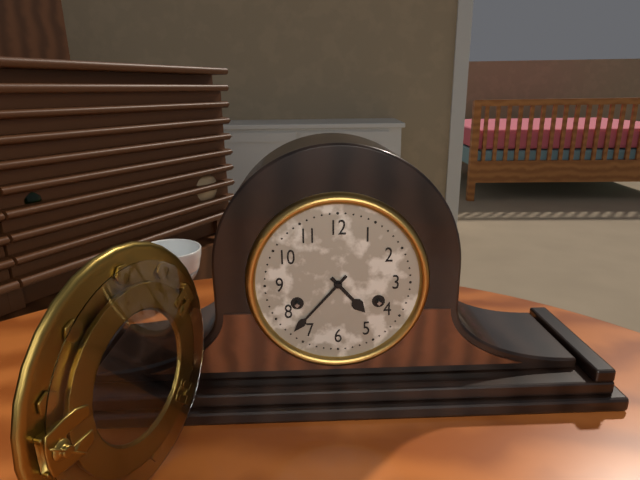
4 h 37 min
